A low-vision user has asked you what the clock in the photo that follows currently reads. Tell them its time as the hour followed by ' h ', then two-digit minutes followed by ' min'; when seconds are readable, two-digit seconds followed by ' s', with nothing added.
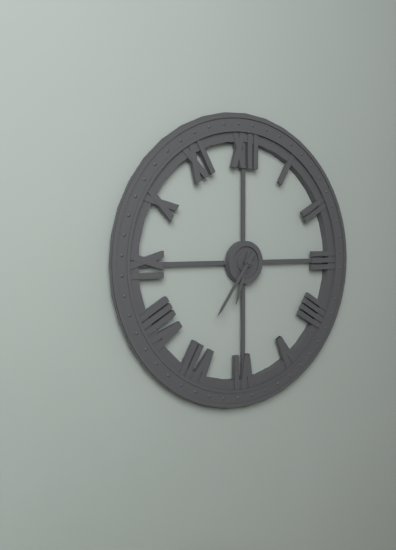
6 h 36 min
